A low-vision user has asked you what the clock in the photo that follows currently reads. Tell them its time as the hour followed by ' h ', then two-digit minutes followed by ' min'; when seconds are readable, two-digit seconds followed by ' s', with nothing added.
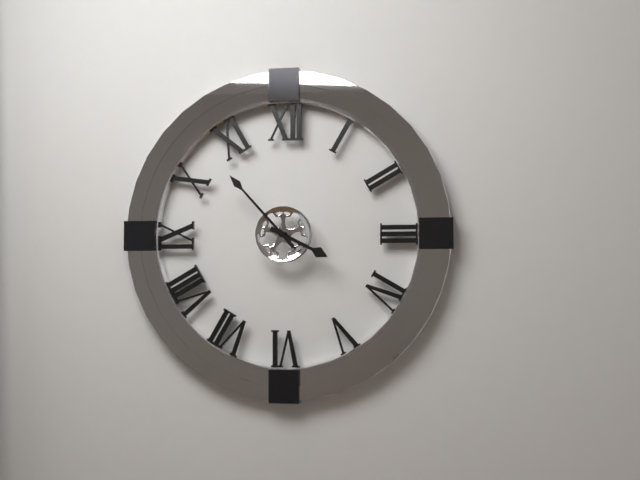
3 h 53 min
